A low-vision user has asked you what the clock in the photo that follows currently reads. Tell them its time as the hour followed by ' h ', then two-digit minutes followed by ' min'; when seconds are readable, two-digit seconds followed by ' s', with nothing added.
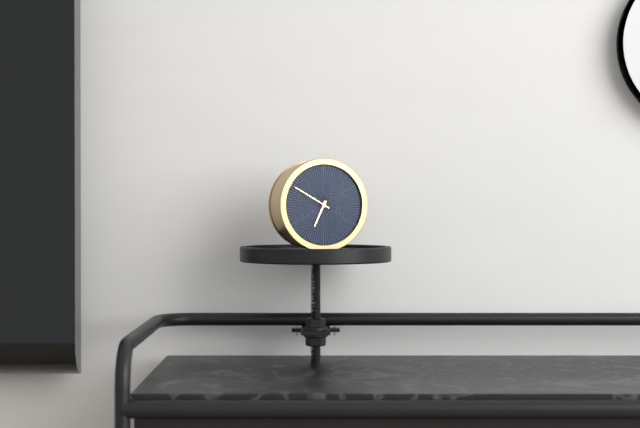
6 h 50 min
